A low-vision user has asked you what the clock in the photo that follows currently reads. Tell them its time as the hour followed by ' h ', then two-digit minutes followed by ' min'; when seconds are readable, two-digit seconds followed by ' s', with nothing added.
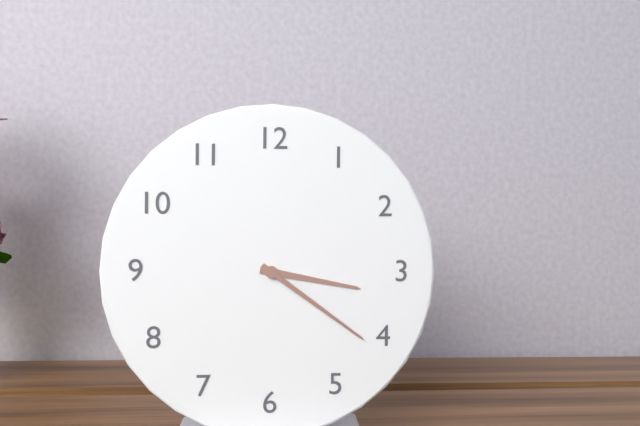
3 h 21 min
